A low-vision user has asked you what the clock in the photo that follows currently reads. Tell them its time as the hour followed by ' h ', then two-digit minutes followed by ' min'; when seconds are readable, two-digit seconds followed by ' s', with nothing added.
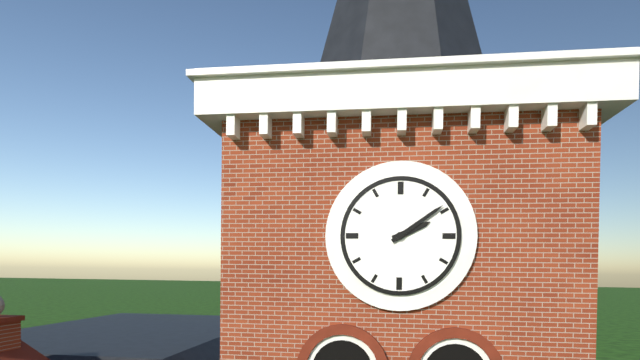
2 h 09 min
